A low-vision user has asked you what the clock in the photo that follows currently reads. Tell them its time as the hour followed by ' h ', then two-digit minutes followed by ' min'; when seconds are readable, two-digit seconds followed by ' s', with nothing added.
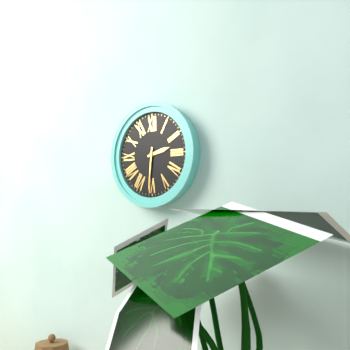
2 h 31 min
